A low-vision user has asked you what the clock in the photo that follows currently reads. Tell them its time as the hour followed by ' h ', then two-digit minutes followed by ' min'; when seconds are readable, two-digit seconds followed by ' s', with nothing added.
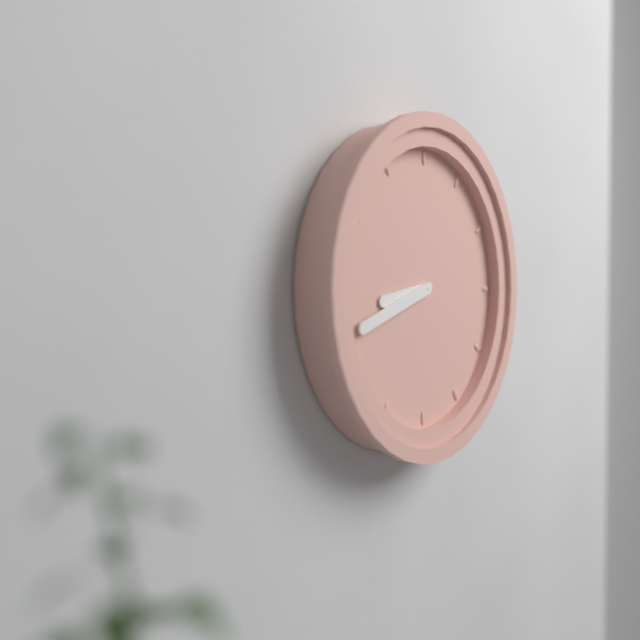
8 h 42 min
